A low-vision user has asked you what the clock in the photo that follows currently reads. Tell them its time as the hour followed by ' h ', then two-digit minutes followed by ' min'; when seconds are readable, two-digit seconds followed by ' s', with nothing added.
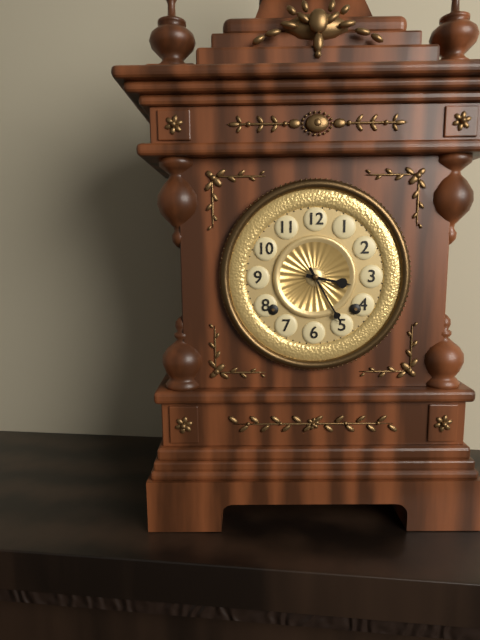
3 h 25 min
